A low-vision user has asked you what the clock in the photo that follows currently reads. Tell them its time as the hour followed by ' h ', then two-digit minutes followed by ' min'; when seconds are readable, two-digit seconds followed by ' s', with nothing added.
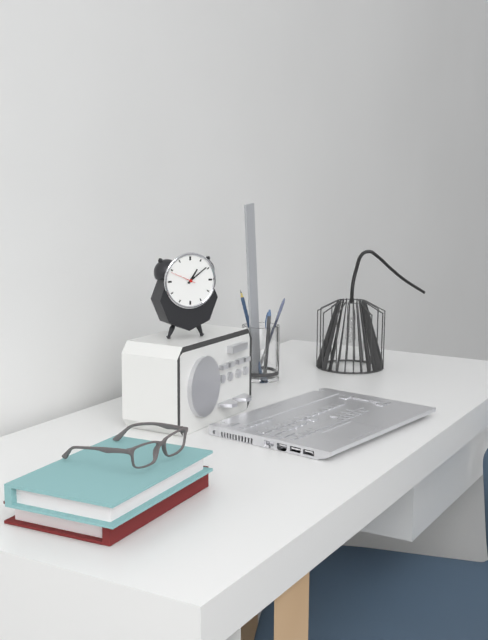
1 h 09 min
